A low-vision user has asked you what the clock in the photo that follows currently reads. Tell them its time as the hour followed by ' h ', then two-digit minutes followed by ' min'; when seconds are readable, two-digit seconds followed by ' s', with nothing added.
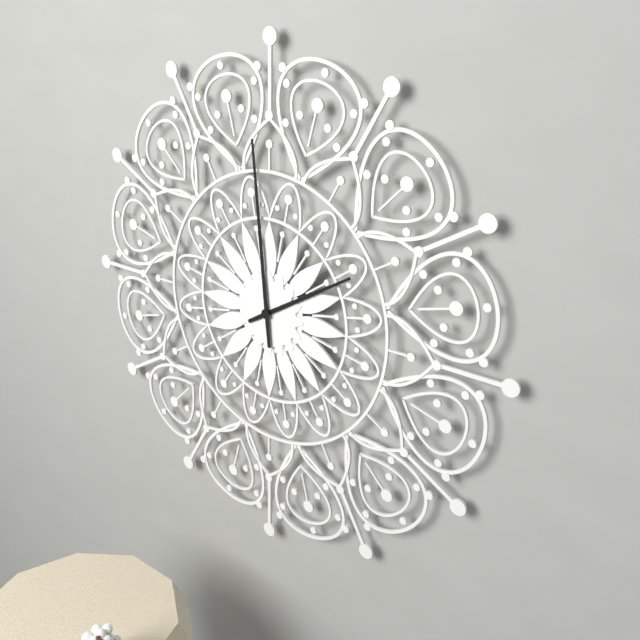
1 h 59 min
